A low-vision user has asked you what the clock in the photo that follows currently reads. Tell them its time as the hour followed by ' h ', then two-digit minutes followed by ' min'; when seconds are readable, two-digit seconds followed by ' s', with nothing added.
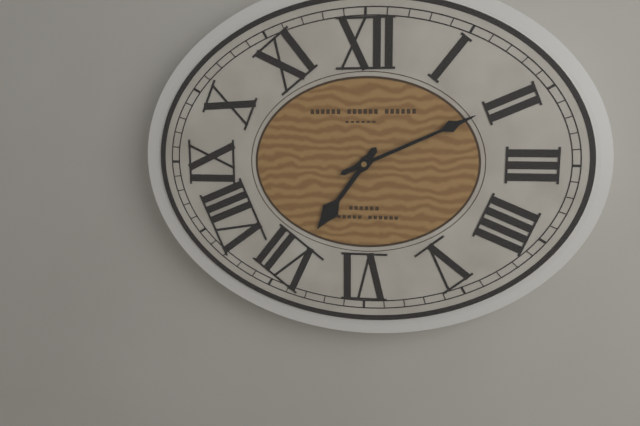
7 h 11 min
